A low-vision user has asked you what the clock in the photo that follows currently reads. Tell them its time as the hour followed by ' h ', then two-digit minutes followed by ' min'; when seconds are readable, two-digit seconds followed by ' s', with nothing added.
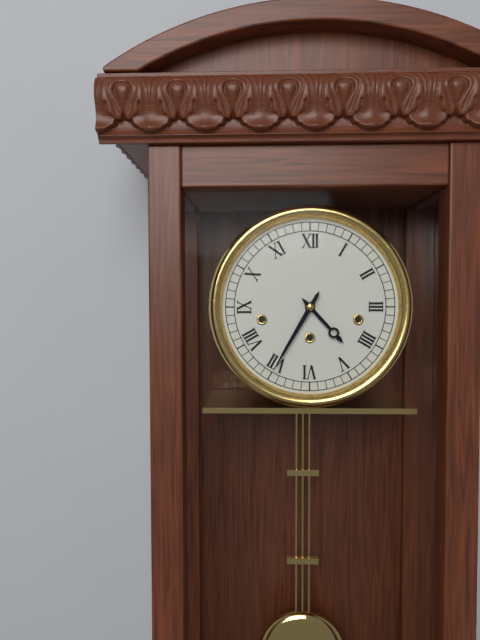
4 h 35 min
